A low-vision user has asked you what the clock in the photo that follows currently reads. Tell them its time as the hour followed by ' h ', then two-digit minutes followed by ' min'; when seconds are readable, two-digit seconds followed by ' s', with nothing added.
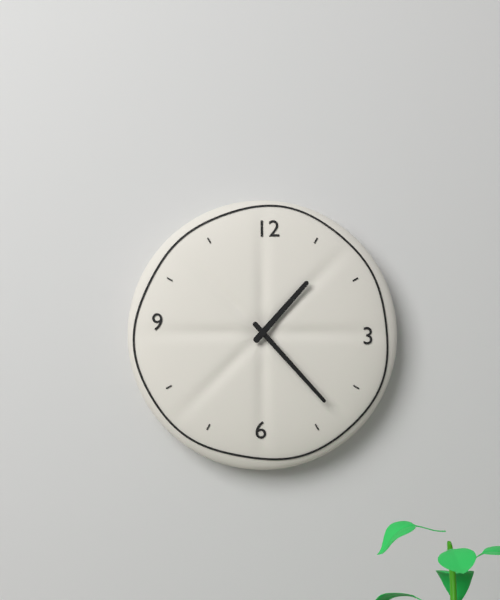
1 h 23 min
